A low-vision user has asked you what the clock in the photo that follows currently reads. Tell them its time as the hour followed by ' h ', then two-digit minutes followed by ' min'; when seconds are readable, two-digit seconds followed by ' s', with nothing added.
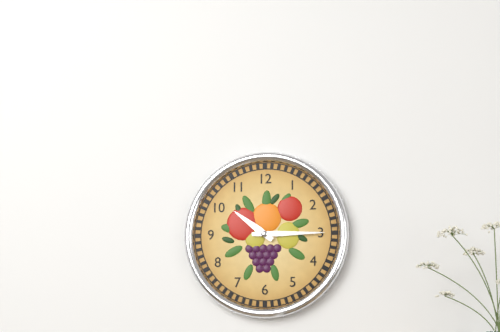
10 h 15 min
